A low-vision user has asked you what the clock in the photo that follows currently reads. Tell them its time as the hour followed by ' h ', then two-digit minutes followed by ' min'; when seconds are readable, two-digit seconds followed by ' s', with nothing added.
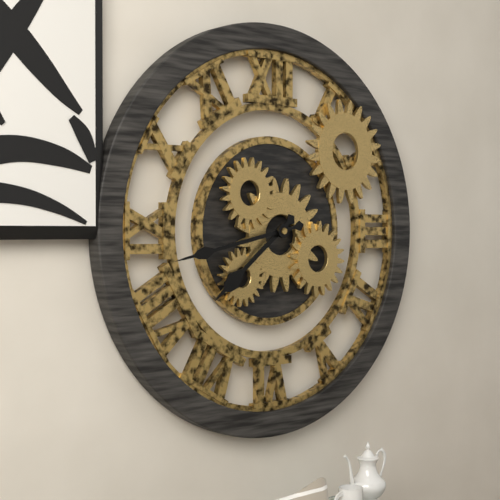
7 h 43 min
